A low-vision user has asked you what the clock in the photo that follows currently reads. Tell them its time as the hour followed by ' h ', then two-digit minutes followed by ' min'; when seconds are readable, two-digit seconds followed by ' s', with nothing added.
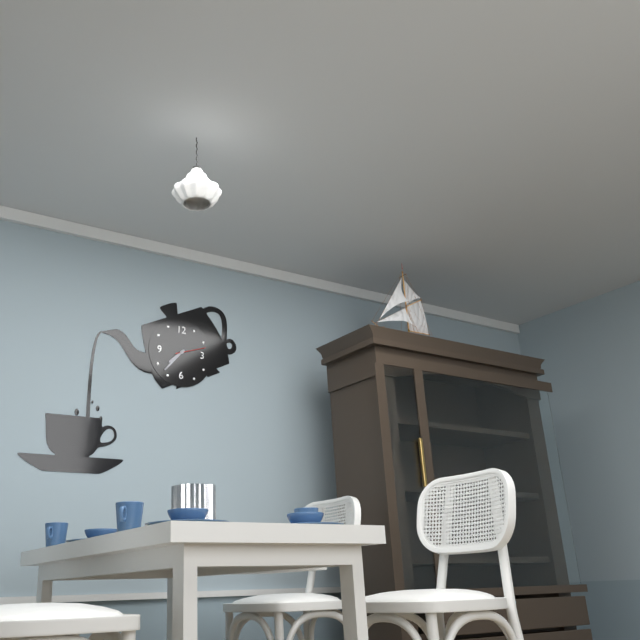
7 h 37 min
